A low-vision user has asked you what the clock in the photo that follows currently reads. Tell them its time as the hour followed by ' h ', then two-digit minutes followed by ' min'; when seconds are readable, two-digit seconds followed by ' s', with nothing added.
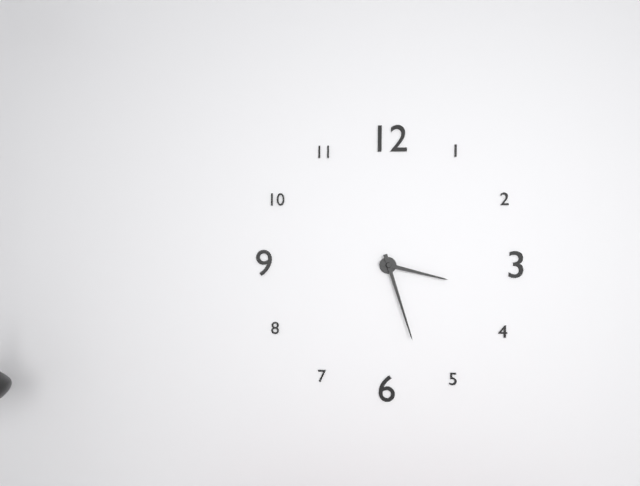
3 h 27 min
